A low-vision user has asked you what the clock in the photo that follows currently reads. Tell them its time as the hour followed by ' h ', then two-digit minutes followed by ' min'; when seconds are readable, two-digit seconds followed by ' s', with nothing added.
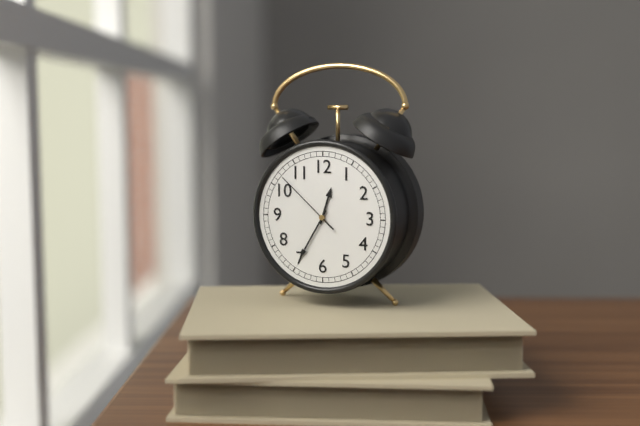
12 h 35 min 52 s
